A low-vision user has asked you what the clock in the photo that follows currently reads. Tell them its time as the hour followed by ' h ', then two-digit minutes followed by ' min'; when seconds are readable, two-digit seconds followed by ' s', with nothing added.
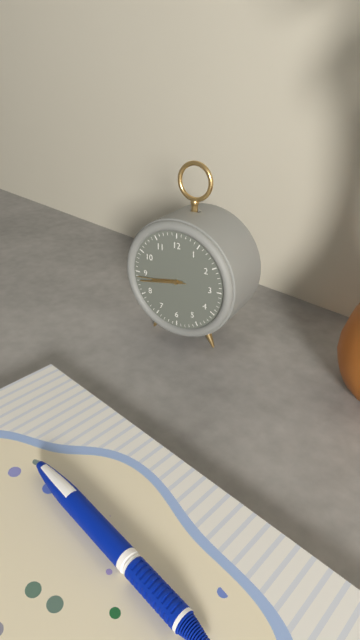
8 h 43 min 44 s
